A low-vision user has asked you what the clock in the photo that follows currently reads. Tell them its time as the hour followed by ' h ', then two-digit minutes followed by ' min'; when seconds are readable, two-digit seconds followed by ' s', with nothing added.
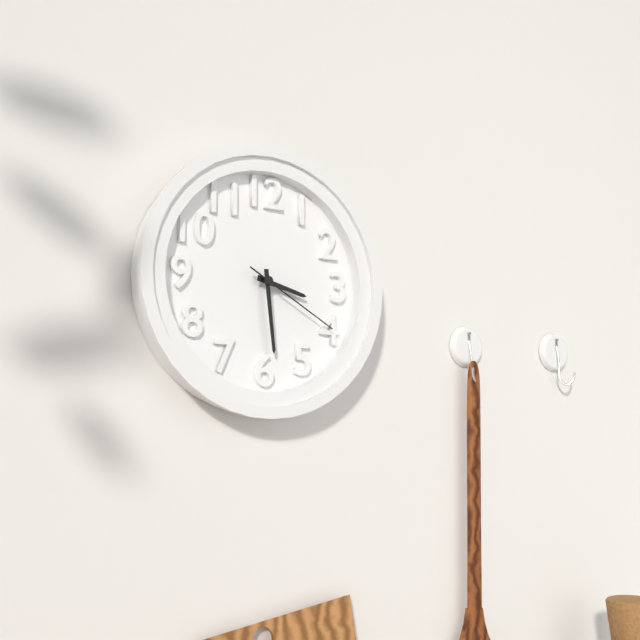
3 h 29 min 20 s
